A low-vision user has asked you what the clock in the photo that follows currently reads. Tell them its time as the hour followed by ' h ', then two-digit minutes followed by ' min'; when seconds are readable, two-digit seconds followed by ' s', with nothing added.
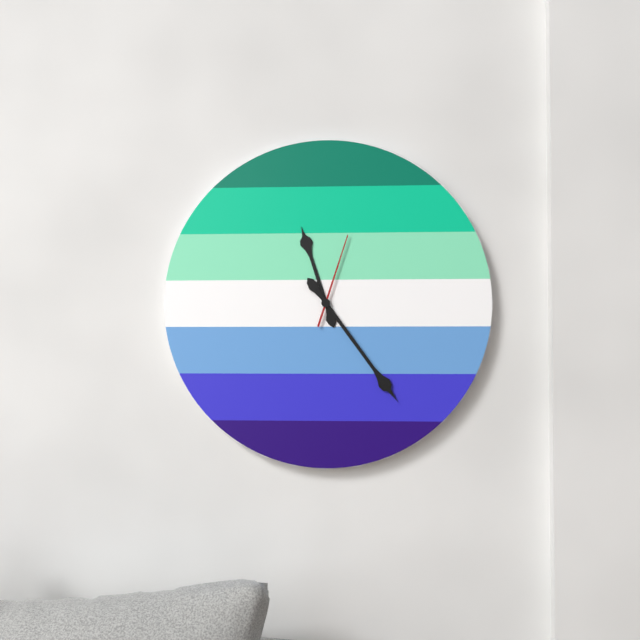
11 h 24 min 03 s
